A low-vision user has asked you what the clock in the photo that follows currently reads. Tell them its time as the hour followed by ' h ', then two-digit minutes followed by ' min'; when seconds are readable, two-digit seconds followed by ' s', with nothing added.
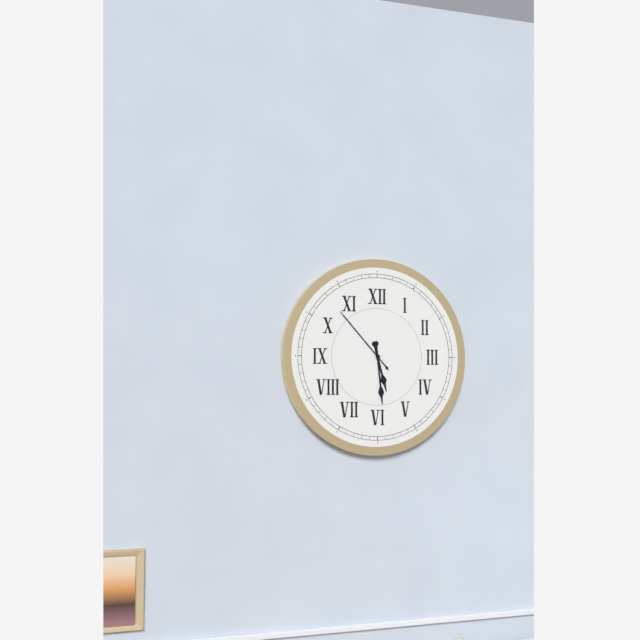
5 h 29 min 53 s
